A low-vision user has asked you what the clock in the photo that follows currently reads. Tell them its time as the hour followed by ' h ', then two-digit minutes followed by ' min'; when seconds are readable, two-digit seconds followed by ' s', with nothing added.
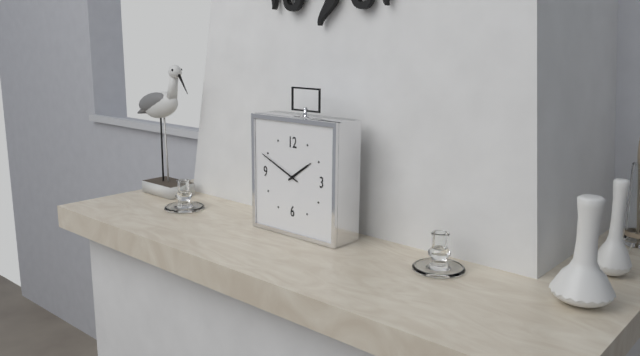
1 h 49 min
